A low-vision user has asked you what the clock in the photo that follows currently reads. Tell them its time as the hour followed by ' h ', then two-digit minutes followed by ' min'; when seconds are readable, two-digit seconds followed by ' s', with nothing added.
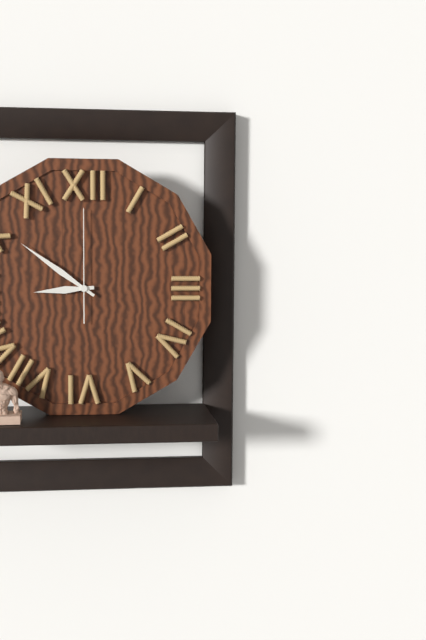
8 h 51 min 00 s
